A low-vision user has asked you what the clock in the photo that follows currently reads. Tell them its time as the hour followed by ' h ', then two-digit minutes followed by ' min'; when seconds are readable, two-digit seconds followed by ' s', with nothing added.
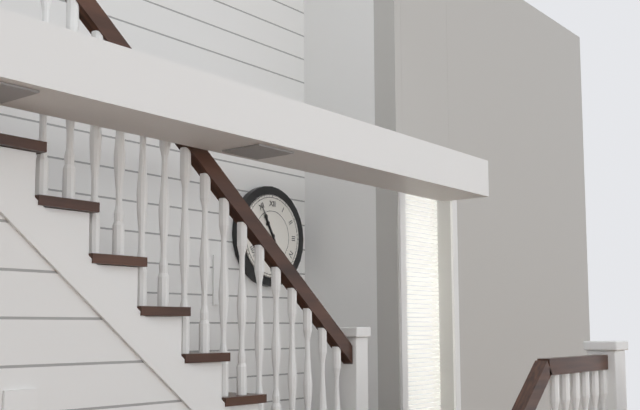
10 h 55 min
